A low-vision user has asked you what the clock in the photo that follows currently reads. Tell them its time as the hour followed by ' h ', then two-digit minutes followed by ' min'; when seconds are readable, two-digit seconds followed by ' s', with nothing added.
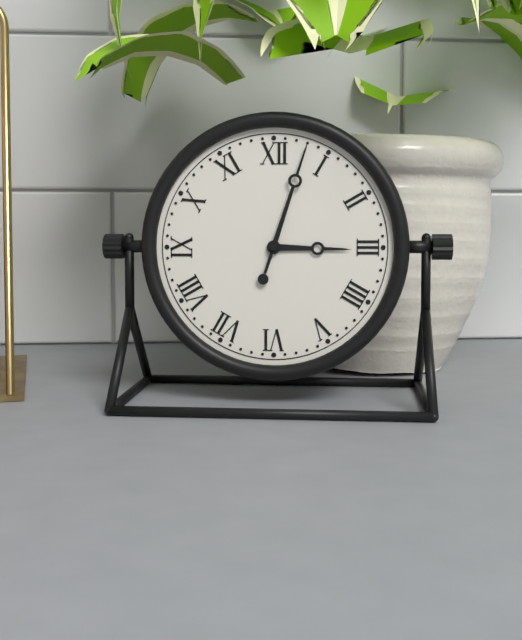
3 h 03 min
